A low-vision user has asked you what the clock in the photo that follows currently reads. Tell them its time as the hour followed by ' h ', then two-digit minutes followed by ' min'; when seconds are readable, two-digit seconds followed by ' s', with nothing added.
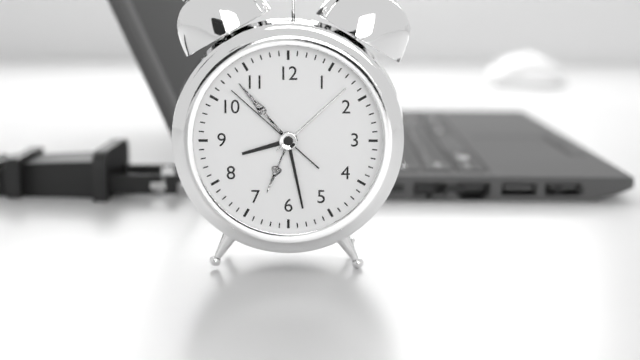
8 h 28 min 52 s
